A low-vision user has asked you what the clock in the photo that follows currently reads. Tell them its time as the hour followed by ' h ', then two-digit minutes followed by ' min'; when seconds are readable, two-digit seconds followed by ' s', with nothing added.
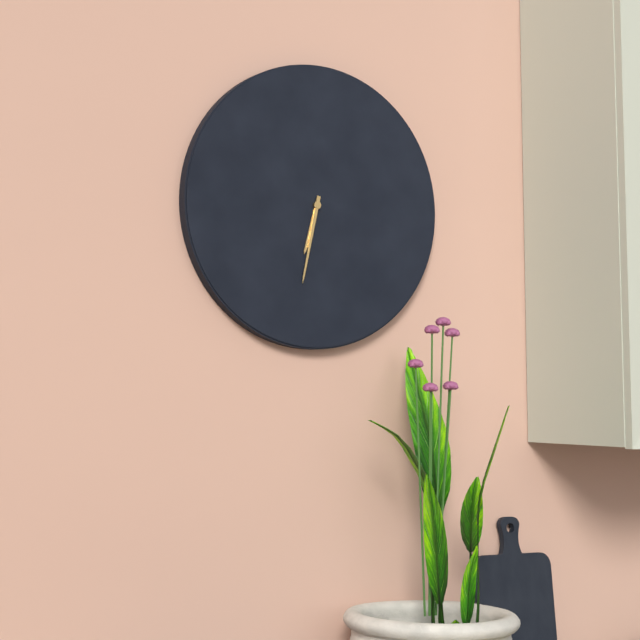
6 h 32 min
